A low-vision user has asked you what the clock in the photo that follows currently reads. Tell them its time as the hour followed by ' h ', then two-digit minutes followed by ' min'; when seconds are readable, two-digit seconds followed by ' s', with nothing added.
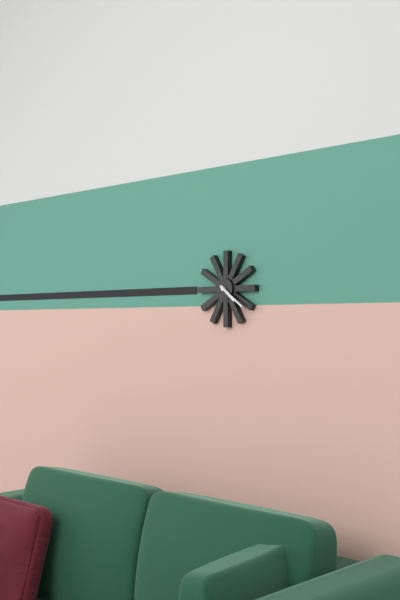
4 h 21 min
